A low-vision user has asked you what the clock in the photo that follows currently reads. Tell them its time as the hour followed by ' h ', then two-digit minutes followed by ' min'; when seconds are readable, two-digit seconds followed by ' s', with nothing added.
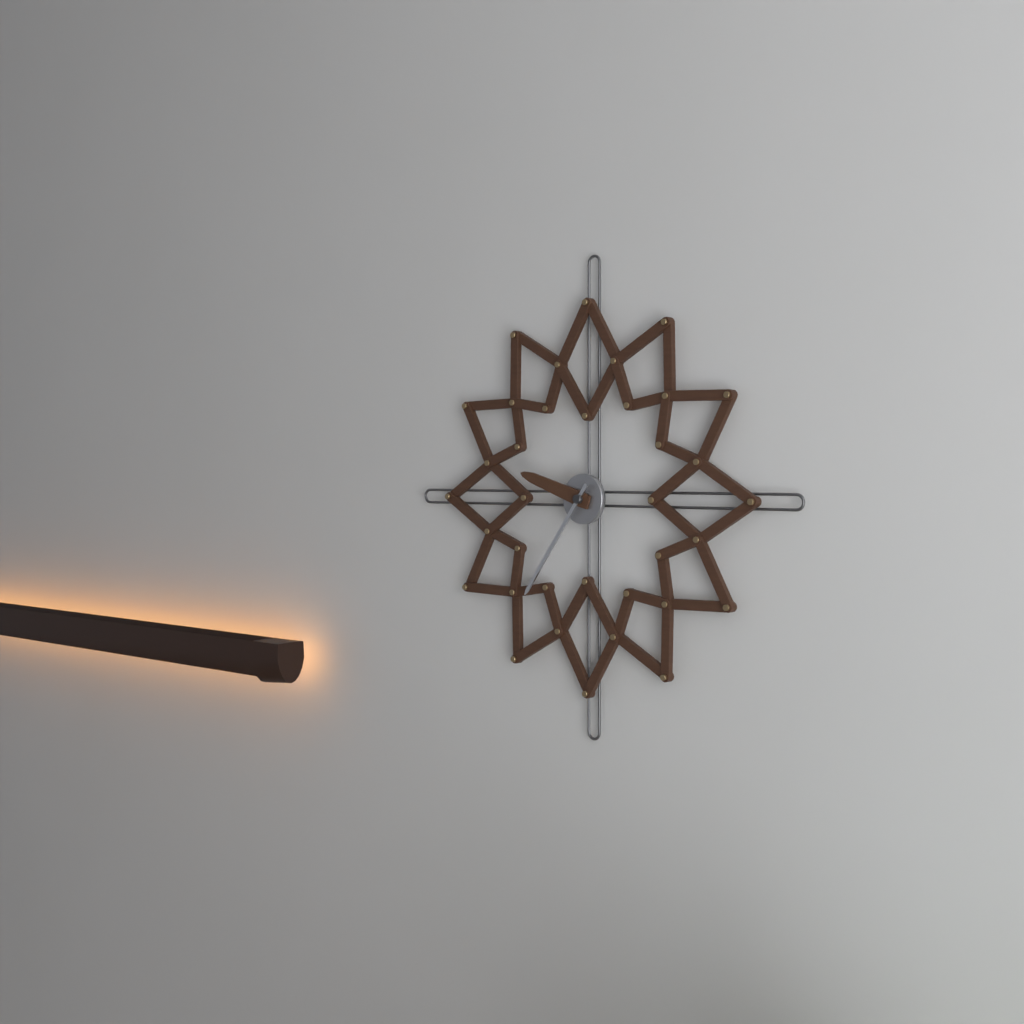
9 h 36 min
